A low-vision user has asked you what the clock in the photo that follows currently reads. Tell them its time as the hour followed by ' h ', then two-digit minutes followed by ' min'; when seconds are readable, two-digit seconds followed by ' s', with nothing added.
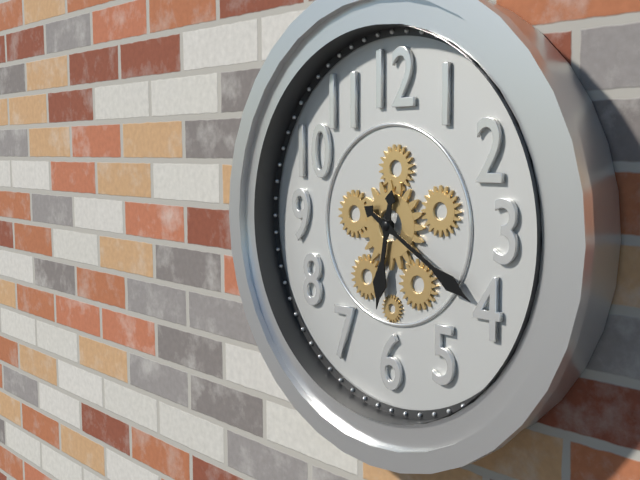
6 h 20 min
